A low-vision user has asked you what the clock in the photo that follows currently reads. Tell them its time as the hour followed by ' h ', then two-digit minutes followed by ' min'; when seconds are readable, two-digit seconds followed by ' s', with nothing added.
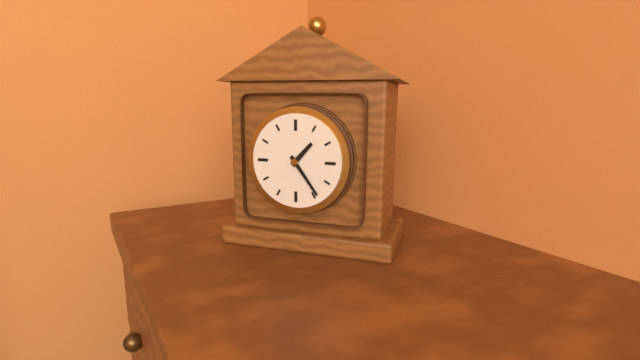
1 h 24 min
